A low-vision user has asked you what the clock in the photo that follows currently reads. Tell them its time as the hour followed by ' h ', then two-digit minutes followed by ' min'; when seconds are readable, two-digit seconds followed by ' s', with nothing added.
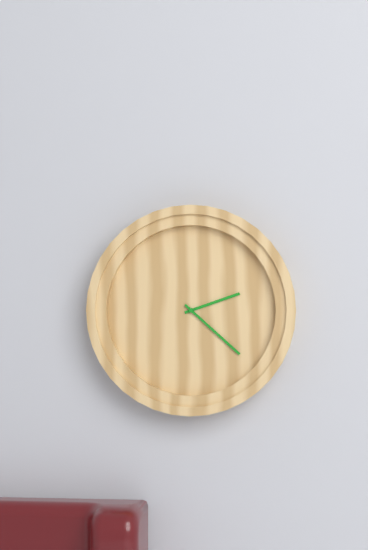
2 h 22 min
